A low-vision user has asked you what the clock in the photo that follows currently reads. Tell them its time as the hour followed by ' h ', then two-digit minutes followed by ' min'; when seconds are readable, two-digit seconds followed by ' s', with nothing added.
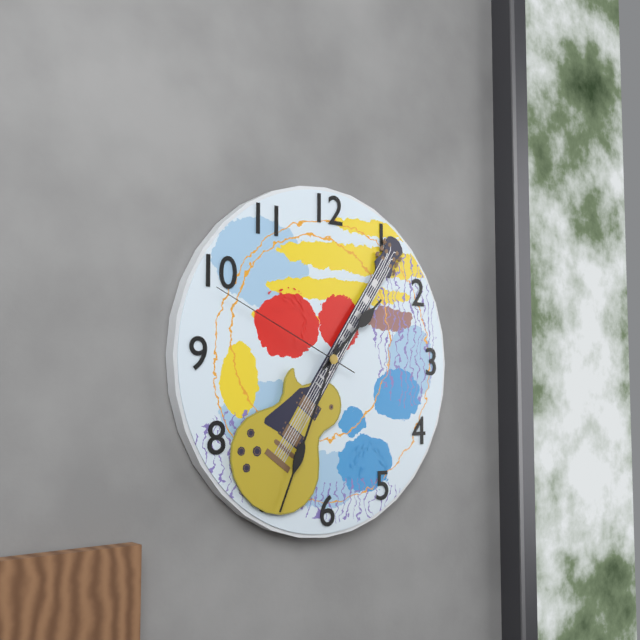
1 h 34 min 49 s
